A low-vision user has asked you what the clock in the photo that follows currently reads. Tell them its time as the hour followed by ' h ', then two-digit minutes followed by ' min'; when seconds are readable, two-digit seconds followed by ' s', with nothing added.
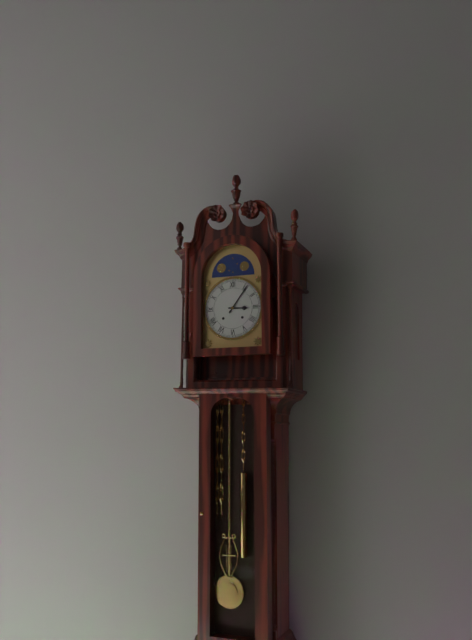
3 h 06 min
